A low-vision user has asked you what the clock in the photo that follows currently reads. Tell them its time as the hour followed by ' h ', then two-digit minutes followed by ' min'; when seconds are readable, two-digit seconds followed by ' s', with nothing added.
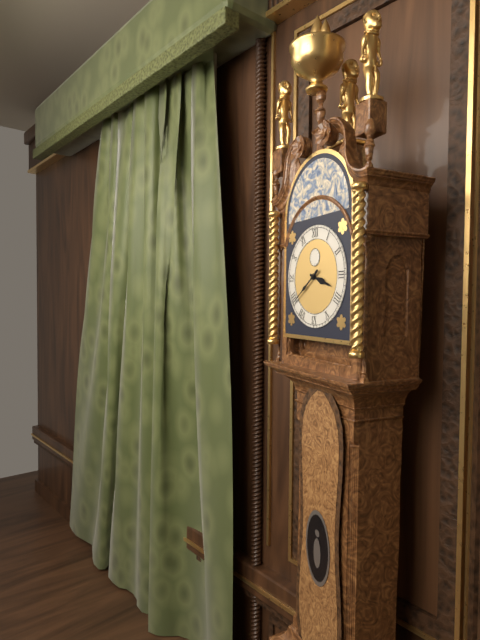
3 h 39 min
